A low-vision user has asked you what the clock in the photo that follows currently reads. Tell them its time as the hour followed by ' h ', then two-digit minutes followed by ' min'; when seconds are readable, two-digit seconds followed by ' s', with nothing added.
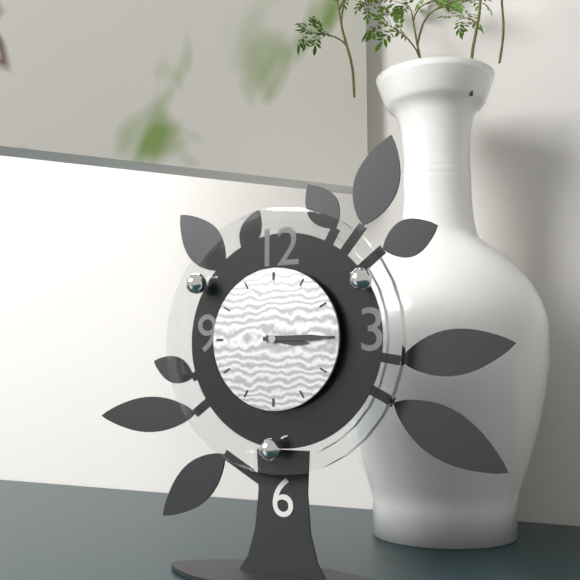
3 h 15 min
